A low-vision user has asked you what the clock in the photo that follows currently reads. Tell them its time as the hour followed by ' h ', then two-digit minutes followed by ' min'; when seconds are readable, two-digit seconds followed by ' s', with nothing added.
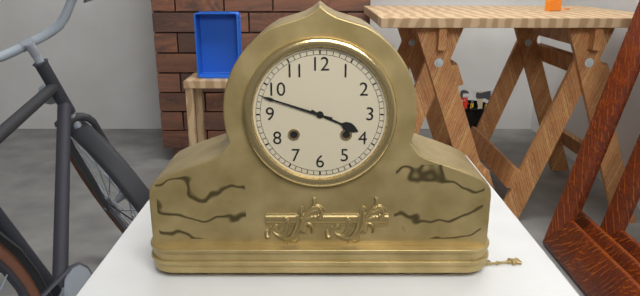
3 h 48 min
